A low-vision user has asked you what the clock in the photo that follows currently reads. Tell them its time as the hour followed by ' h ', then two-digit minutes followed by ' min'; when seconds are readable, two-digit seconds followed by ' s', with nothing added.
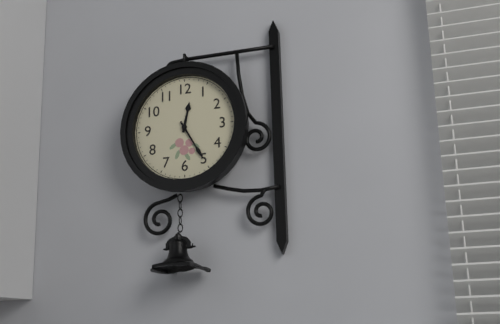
12 h 25 min
